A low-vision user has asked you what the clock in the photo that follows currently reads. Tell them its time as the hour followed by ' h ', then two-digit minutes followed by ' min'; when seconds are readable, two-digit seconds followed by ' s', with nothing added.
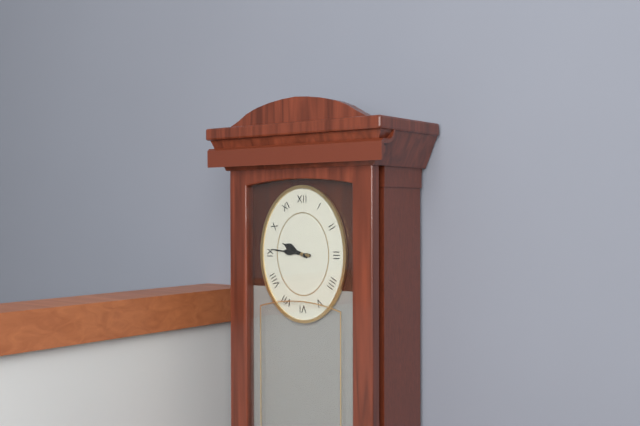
9 h 46 min
